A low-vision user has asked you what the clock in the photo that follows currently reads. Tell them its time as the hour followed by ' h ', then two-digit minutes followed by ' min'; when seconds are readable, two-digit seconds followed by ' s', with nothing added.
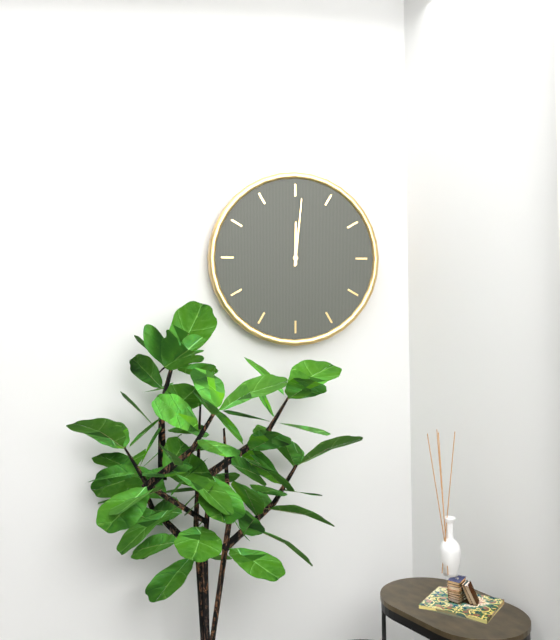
12 h 01 min
